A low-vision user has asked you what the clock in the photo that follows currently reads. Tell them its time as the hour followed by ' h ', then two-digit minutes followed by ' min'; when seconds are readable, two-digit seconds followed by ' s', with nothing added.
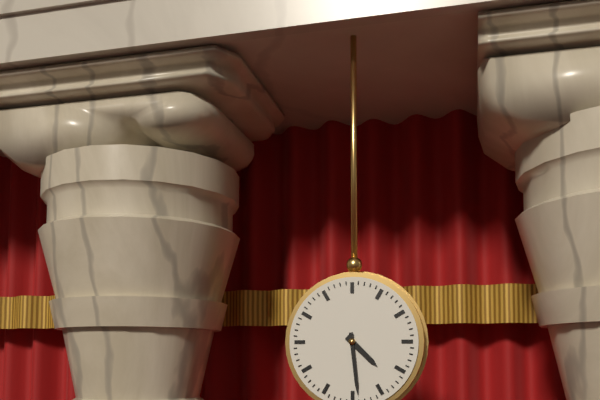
4 h 29 min
